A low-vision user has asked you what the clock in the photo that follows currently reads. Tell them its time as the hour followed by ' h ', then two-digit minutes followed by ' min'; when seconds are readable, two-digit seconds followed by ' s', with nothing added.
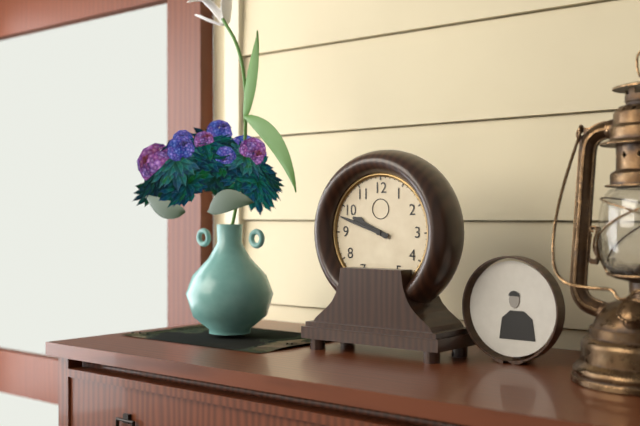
9 h 48 min
